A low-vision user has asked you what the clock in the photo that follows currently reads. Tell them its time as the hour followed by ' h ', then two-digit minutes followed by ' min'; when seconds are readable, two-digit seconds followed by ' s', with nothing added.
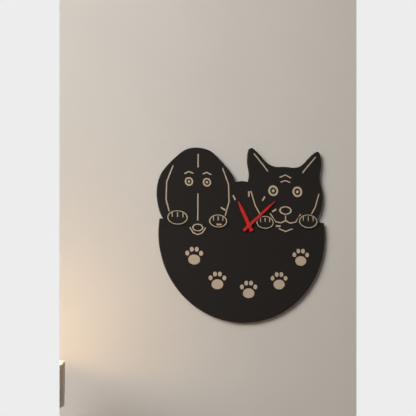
11 h 08 min
